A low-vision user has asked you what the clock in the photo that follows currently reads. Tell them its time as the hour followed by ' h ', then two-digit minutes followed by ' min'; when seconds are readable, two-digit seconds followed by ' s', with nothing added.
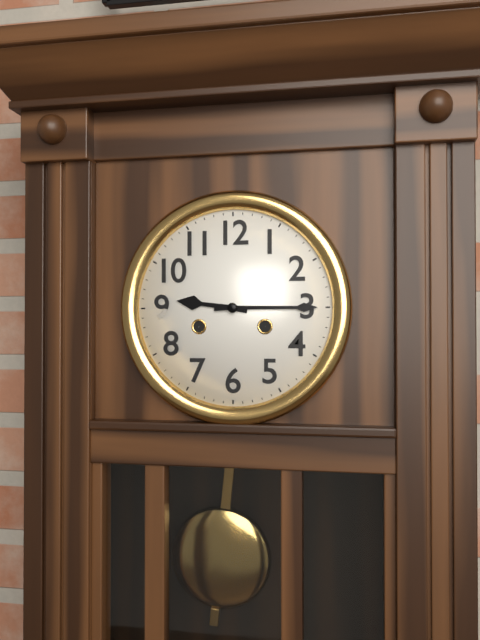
9 h 15 min
